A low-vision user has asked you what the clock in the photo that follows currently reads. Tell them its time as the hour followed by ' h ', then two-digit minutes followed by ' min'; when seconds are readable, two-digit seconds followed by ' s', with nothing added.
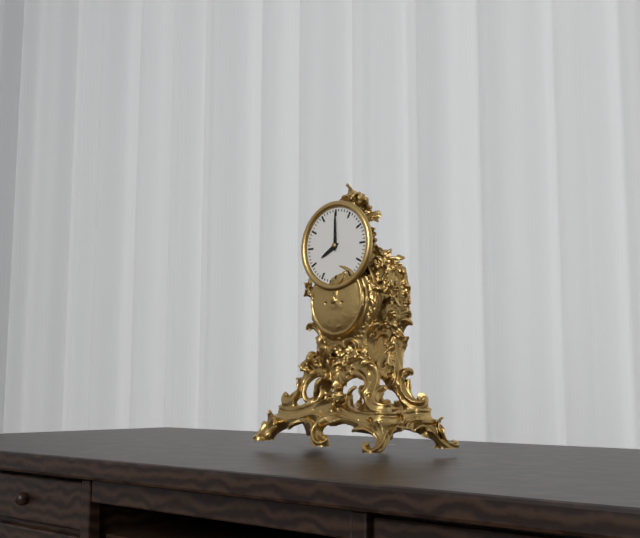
8 h 00 min
